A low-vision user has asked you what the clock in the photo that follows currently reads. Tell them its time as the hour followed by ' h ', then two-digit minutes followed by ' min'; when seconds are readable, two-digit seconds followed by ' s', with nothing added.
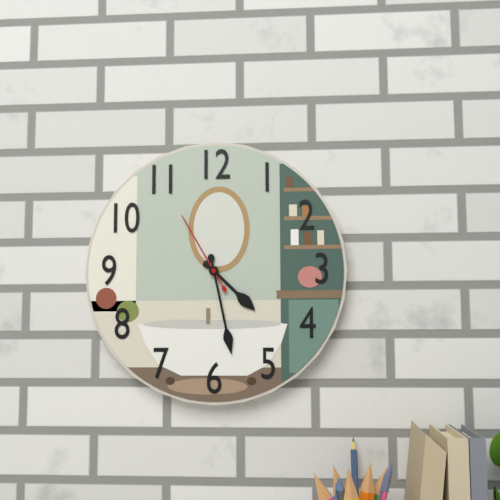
4 h 28 min 55 s
